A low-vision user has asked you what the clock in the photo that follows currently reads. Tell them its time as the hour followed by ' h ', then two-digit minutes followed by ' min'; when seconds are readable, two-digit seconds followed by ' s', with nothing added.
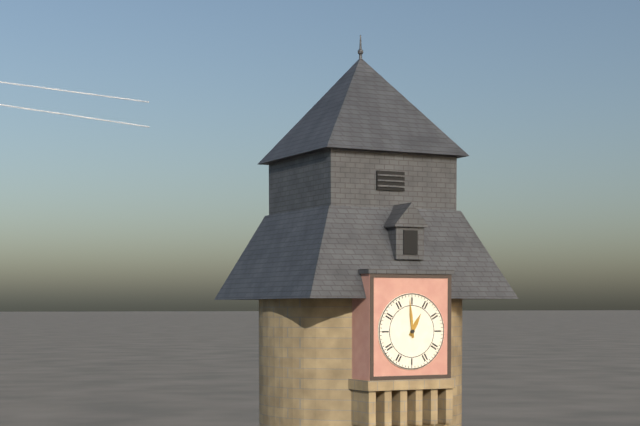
12 h 59 min
